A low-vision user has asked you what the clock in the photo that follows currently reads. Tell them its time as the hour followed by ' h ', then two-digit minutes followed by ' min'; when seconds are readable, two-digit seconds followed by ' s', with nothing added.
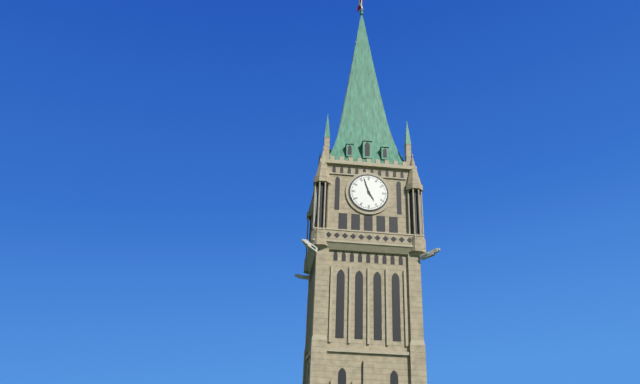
4 h 57 min
